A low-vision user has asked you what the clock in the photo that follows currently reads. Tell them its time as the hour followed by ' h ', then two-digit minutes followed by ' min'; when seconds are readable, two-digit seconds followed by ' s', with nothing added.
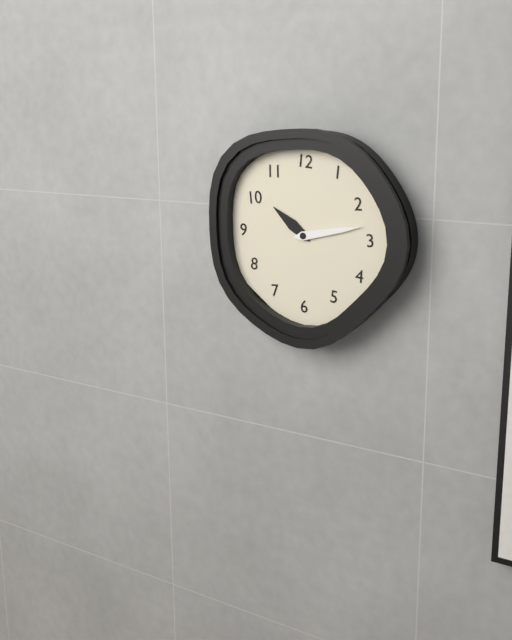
10 h 13 min
